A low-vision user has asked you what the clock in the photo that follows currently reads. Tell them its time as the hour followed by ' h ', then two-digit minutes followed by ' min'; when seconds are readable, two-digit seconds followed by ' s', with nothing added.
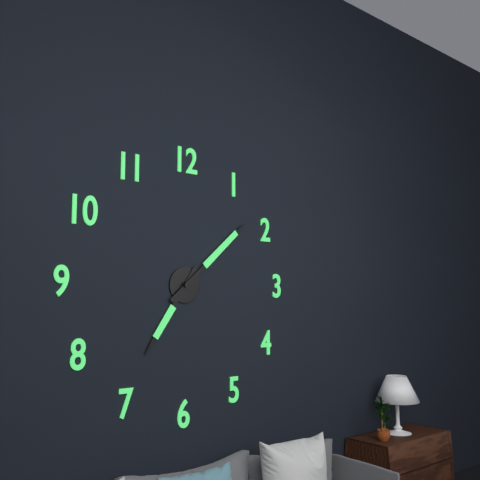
7 h 08 min
